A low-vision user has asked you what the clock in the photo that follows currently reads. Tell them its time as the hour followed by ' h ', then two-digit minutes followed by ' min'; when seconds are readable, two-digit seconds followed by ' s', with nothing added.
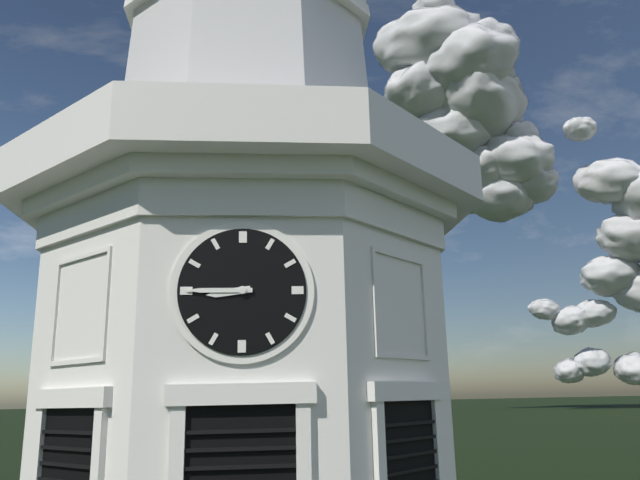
8 h 45 min
